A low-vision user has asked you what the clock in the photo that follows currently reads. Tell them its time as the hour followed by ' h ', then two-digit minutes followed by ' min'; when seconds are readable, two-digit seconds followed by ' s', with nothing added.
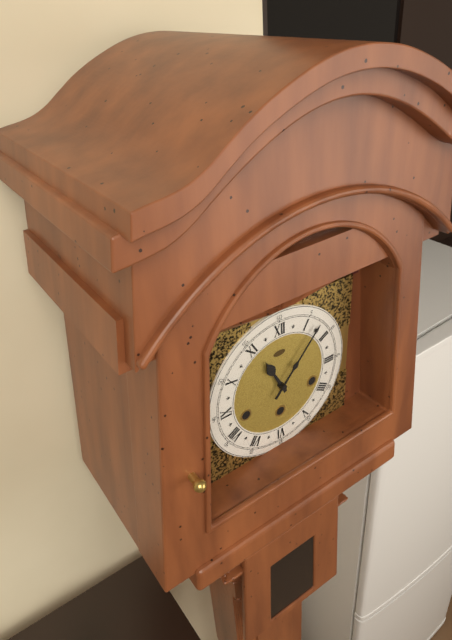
11 h 07 min
